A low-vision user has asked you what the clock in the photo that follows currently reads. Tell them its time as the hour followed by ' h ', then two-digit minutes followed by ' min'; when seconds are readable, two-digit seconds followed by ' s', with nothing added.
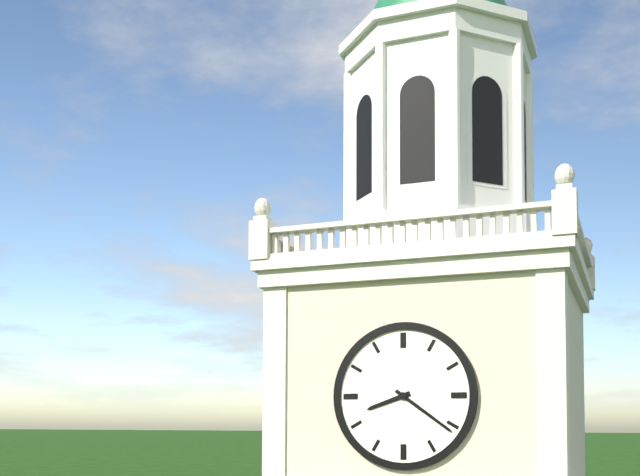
8 h 21 min
